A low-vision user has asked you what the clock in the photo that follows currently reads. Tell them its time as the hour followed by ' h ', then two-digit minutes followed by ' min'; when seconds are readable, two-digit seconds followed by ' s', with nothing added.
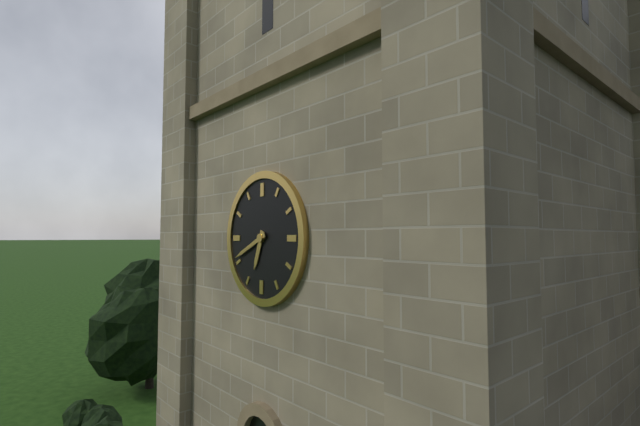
6 h 41 min
